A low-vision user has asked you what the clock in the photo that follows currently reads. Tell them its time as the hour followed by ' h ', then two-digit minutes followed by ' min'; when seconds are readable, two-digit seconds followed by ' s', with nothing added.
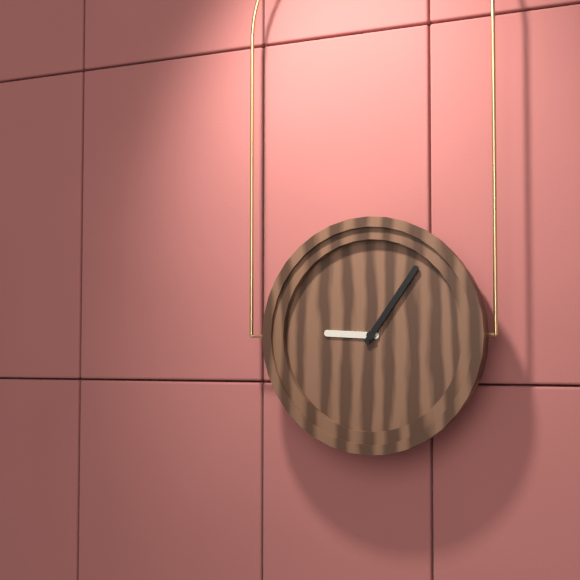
9 h 06 min
